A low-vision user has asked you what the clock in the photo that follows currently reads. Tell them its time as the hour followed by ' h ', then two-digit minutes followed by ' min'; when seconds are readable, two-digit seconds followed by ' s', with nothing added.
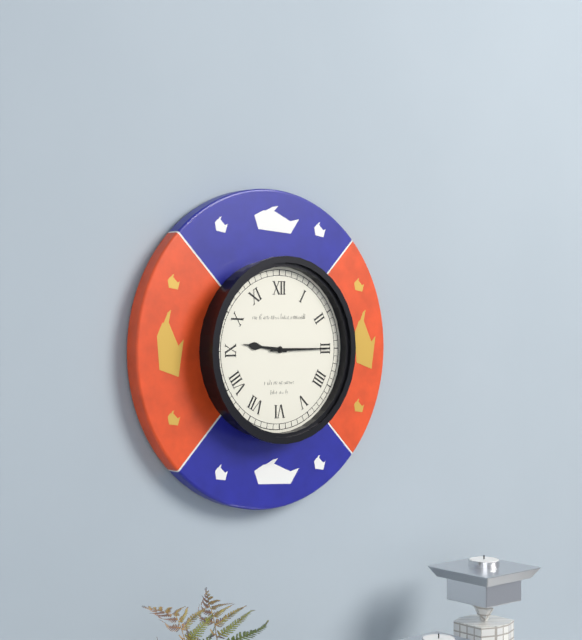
9 h 15 min
